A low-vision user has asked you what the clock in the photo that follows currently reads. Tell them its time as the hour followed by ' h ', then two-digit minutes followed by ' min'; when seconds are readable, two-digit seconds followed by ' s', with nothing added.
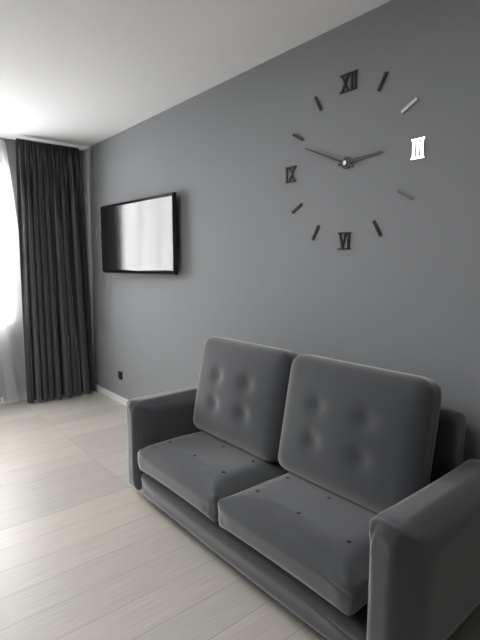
2 h 49 min
